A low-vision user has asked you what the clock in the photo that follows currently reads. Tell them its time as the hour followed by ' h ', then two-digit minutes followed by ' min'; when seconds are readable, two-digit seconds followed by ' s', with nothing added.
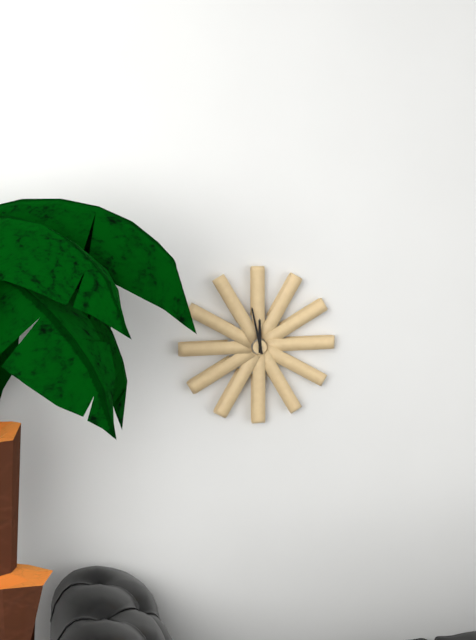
11 h 58 min
